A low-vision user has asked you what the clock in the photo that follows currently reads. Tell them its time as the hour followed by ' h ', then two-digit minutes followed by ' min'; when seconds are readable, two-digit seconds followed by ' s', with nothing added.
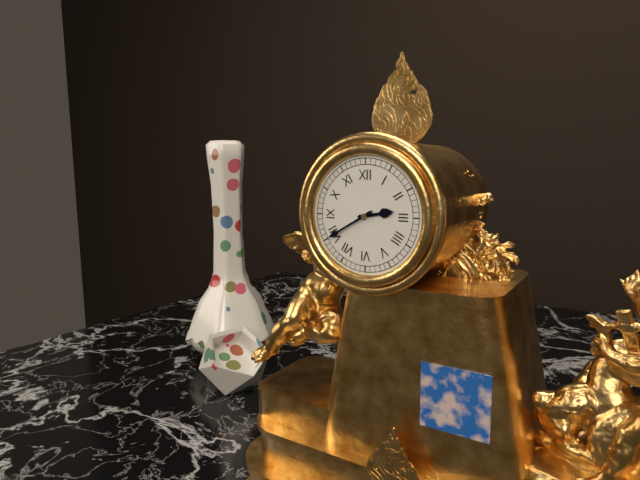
2 h 40 min
